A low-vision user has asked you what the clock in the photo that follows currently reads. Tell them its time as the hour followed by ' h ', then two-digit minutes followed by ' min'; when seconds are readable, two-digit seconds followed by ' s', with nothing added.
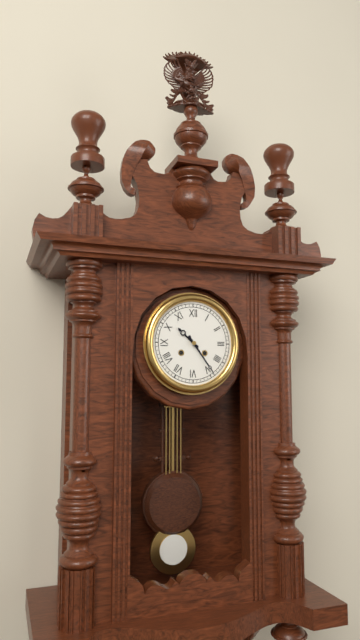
10 h 24 min
